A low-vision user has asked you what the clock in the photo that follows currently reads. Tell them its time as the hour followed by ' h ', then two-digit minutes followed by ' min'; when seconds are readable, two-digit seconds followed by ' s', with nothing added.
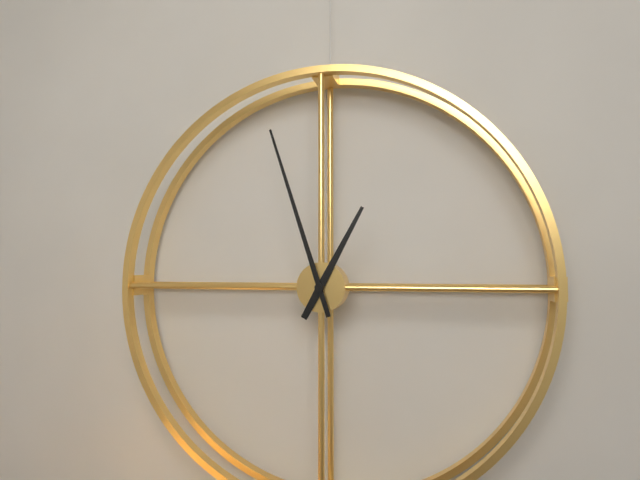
12 h 57 min
